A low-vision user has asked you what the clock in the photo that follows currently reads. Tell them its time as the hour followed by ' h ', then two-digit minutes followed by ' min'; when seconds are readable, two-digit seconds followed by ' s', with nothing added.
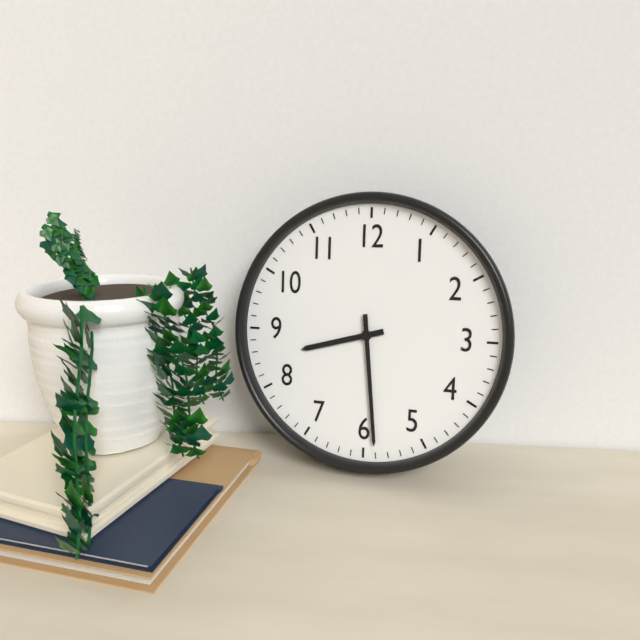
8 h 29 min
